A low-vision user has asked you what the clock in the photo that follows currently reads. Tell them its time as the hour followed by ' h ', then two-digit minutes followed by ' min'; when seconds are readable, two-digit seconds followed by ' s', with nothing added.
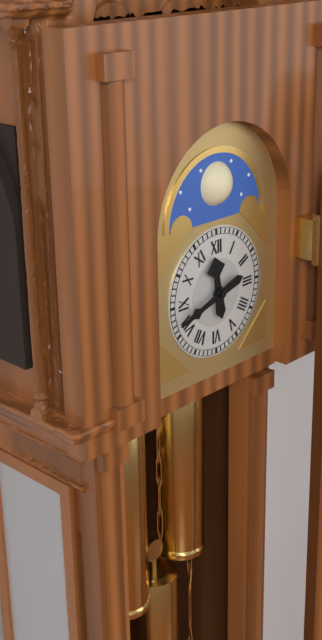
11 h 42 min
